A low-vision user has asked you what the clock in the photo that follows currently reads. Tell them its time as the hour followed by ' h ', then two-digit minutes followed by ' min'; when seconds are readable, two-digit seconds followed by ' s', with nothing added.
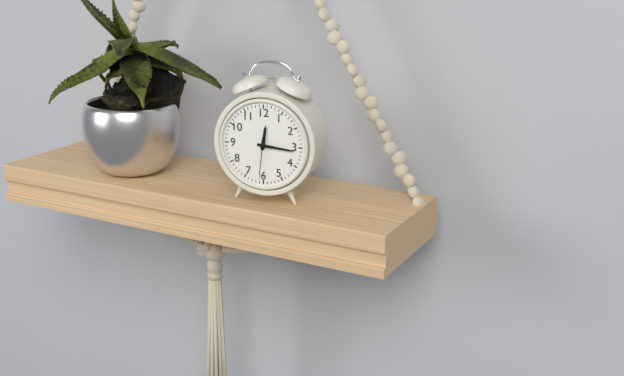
12 h 16 min
